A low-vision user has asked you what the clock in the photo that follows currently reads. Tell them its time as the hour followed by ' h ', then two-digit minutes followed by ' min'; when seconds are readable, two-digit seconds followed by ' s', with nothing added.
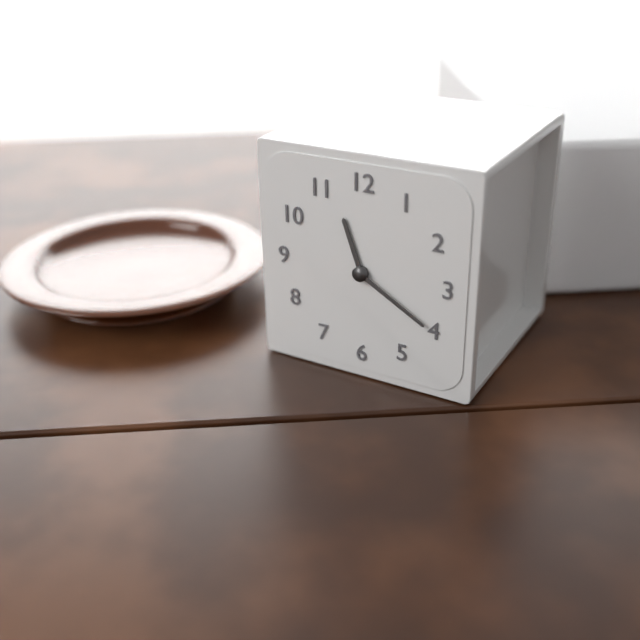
11 h 20 min
